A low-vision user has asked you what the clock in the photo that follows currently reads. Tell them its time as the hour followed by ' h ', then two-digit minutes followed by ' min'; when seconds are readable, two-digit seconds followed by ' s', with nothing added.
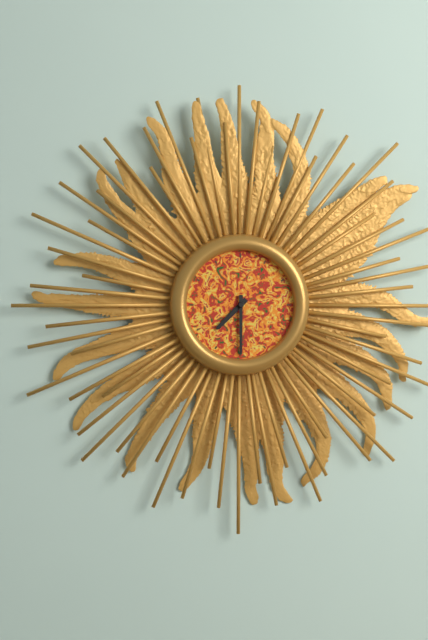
7 h 30 min
